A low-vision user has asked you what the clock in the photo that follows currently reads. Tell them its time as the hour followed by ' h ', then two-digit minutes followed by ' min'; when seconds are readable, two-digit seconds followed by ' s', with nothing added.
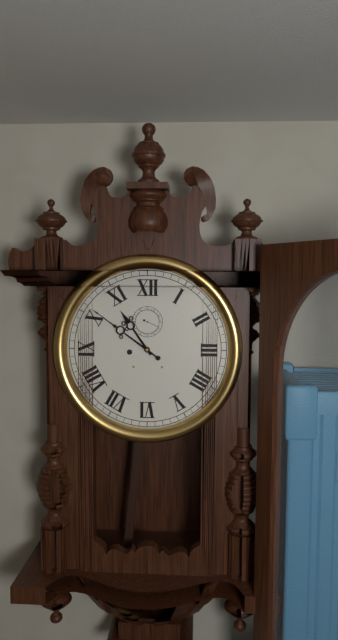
10 h 51 min
